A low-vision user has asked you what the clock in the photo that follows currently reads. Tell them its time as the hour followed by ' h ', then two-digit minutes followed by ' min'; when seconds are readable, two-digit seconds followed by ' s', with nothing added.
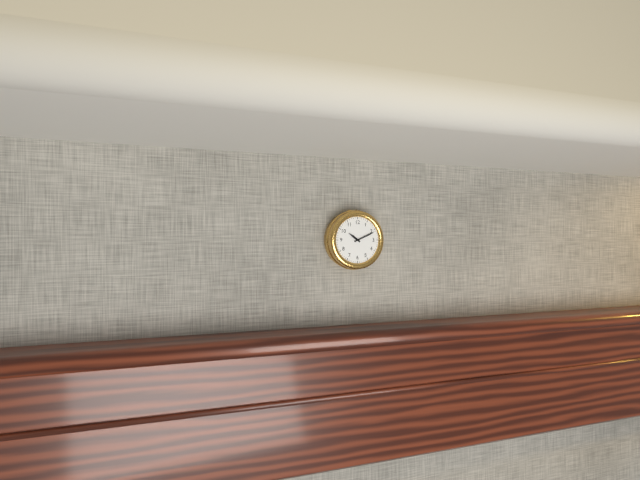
10 h 11 min
